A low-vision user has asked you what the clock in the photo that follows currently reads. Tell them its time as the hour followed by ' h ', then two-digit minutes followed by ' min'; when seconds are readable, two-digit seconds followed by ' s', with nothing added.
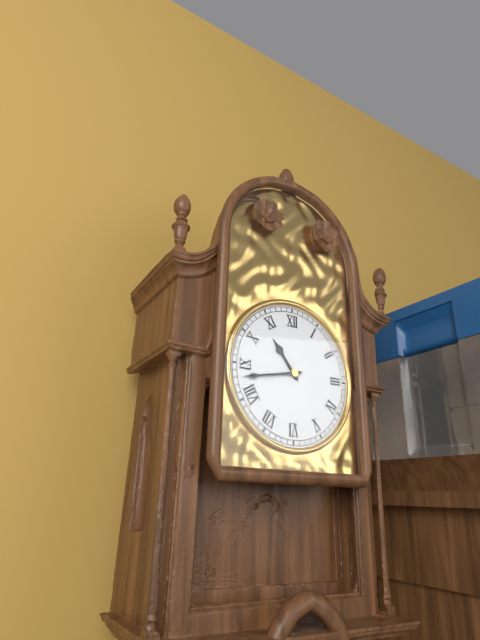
10 h 43 min
